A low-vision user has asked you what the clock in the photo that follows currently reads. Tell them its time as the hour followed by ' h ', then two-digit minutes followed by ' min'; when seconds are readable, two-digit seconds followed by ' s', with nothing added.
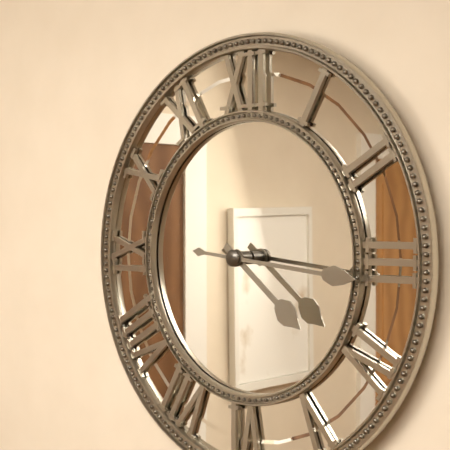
4 h 16 min
